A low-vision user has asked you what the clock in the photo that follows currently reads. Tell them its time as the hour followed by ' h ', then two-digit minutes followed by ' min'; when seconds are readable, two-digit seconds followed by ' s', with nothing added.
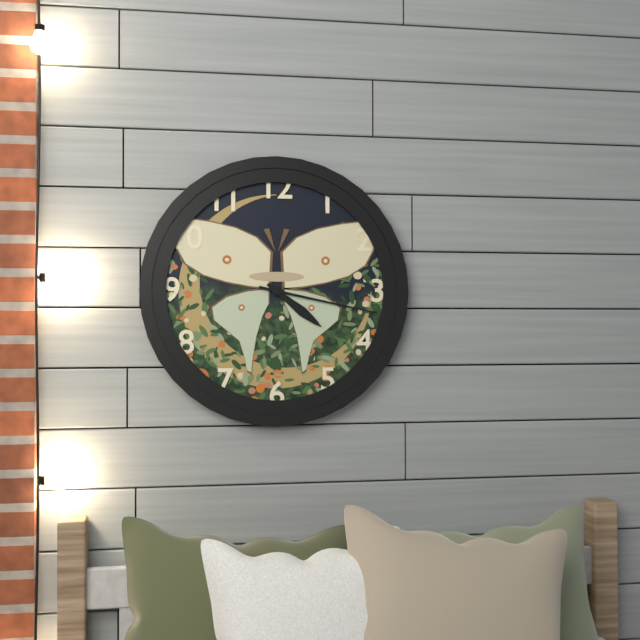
4 h 17 min
